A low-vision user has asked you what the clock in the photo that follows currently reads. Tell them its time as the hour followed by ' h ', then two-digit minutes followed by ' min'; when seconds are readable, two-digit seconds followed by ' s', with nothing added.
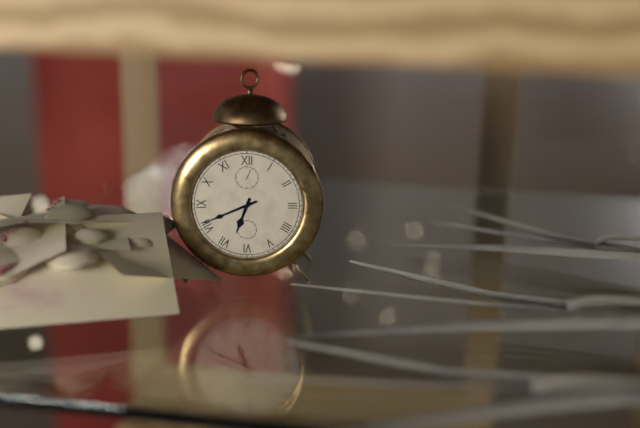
6 h 41 min
